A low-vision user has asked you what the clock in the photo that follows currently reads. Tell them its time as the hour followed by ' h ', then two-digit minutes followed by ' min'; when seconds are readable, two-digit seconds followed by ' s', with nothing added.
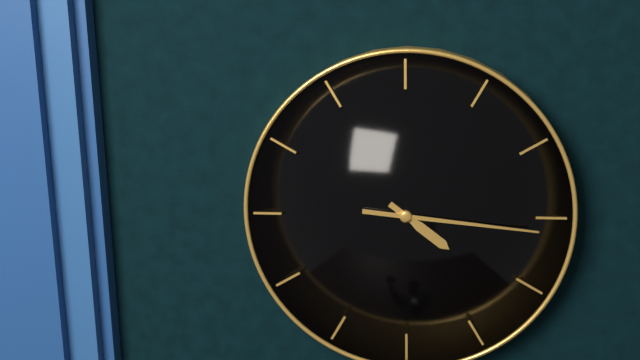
4 h 16 min
